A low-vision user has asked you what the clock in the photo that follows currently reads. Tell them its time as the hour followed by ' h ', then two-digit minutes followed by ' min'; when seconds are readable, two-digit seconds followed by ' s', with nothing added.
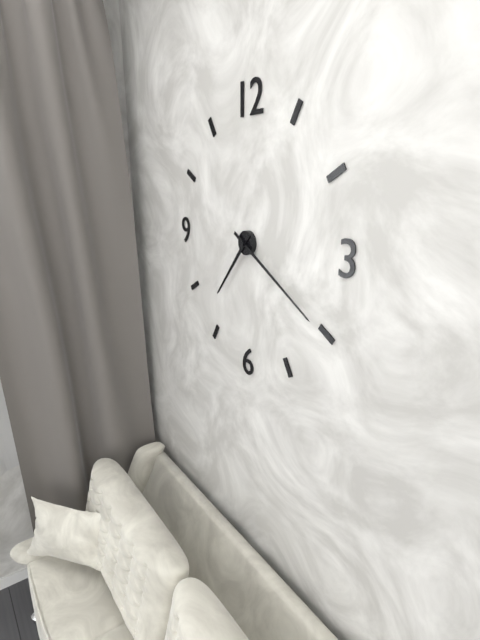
7 h 20 min
